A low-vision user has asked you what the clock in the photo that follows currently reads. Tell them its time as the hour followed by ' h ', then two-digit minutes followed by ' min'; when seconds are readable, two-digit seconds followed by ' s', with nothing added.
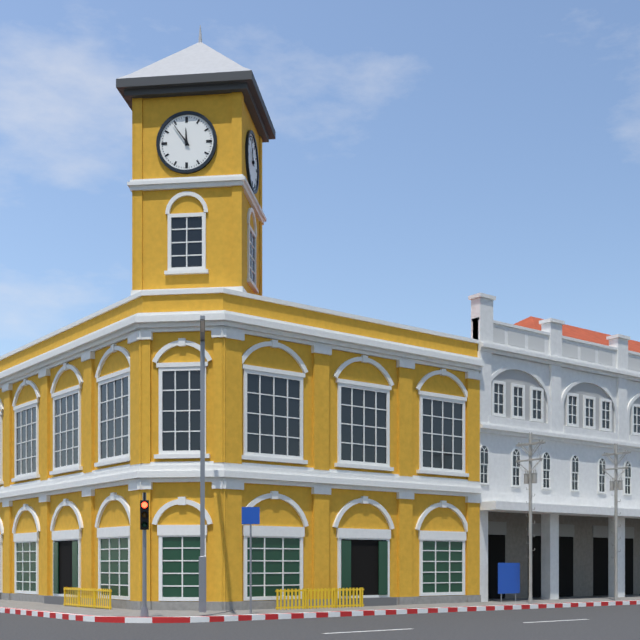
11 h 54 min
